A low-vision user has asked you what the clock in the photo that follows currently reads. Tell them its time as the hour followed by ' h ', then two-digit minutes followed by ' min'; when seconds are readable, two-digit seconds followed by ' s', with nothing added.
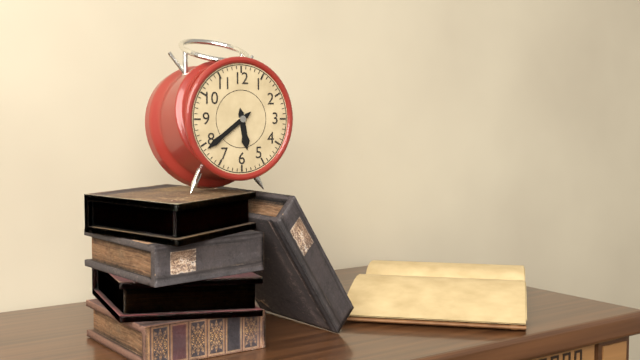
5 h 39 min
